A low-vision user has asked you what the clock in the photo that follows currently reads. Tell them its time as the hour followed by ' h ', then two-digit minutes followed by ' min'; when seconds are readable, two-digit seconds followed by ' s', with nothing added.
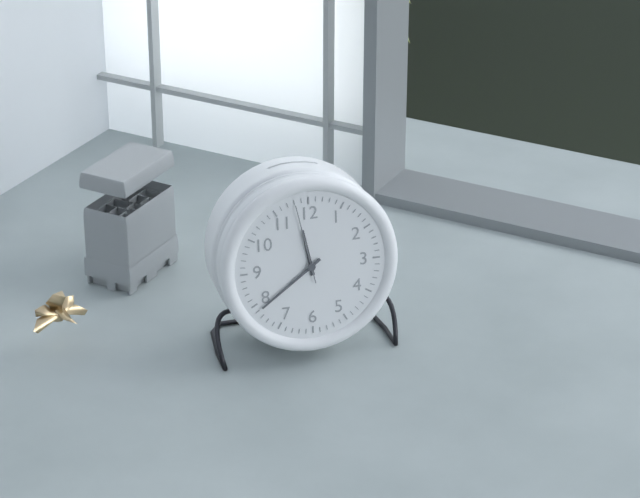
11 h 39 min 58 s
